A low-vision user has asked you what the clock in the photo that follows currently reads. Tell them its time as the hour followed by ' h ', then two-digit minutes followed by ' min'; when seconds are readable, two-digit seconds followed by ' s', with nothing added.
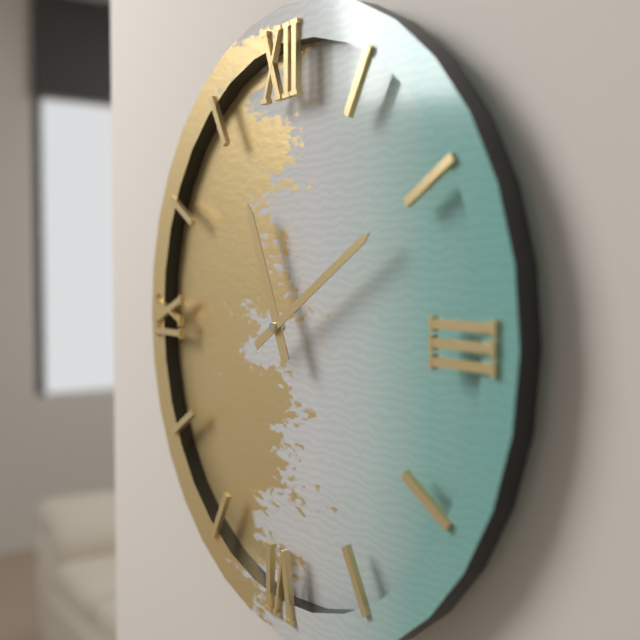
11 h 10 min
